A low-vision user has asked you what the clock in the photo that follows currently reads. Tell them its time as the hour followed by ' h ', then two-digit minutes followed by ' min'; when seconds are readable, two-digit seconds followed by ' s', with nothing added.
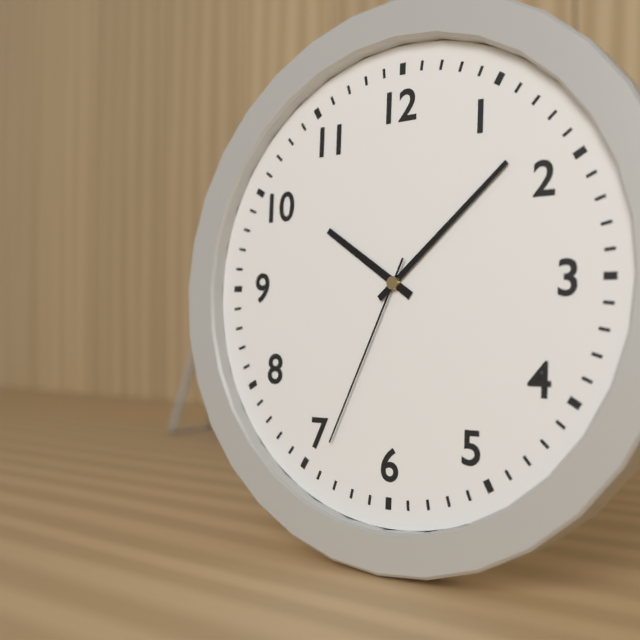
10 h 08 min 34 s
